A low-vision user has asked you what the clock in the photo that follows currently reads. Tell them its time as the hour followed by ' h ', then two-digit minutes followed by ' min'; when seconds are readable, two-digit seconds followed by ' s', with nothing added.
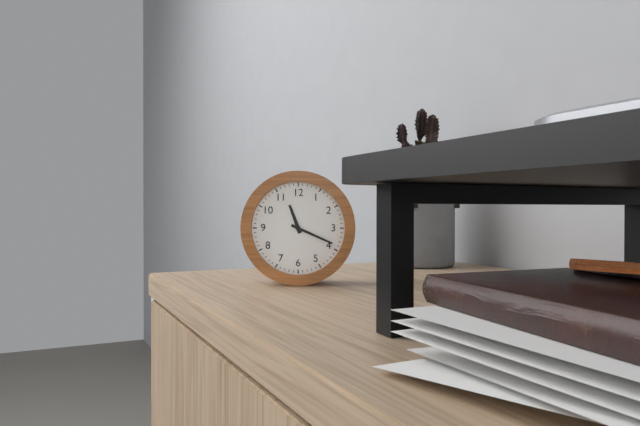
11 h 19 min
